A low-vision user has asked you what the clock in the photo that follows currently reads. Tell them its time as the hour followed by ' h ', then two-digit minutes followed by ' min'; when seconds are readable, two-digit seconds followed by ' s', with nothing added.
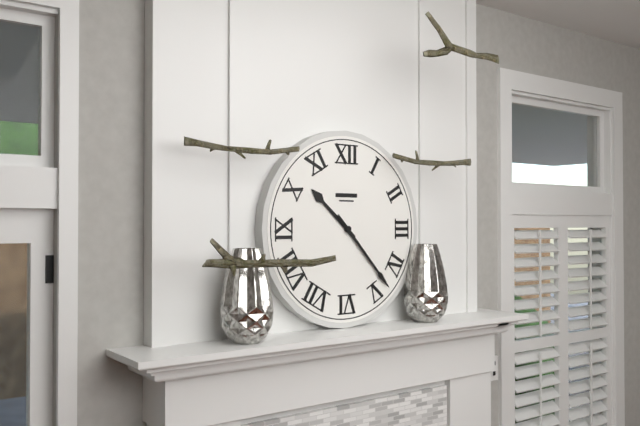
10 h 23 min
